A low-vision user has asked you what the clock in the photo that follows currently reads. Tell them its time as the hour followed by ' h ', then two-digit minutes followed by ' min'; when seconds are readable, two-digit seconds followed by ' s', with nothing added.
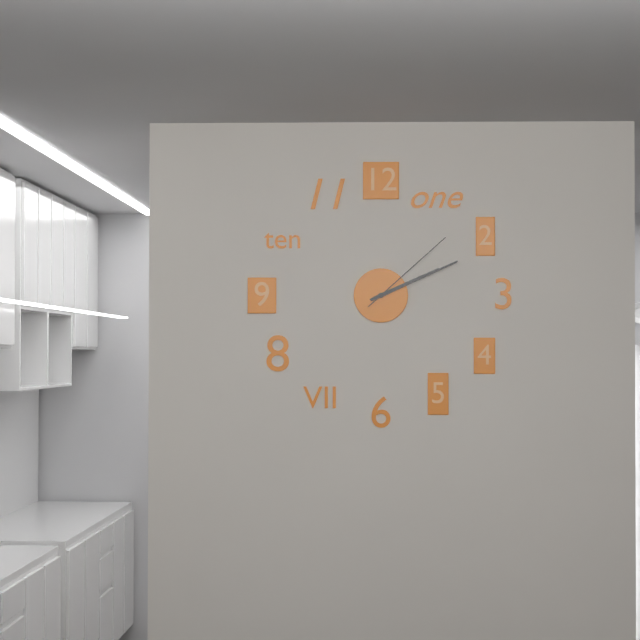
2 h 11 min 08 s
